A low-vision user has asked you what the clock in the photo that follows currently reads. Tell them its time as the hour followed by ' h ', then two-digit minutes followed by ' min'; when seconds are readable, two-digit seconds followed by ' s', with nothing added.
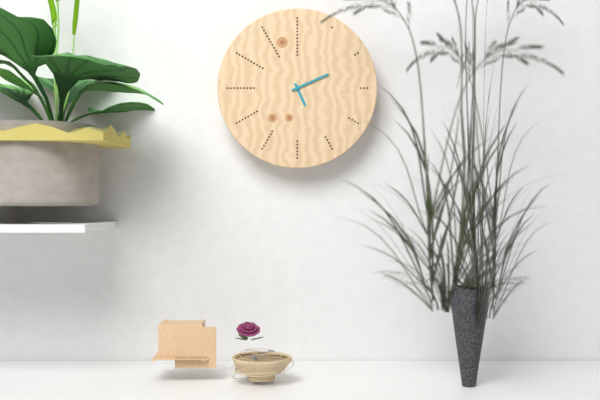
5 h 11 min
